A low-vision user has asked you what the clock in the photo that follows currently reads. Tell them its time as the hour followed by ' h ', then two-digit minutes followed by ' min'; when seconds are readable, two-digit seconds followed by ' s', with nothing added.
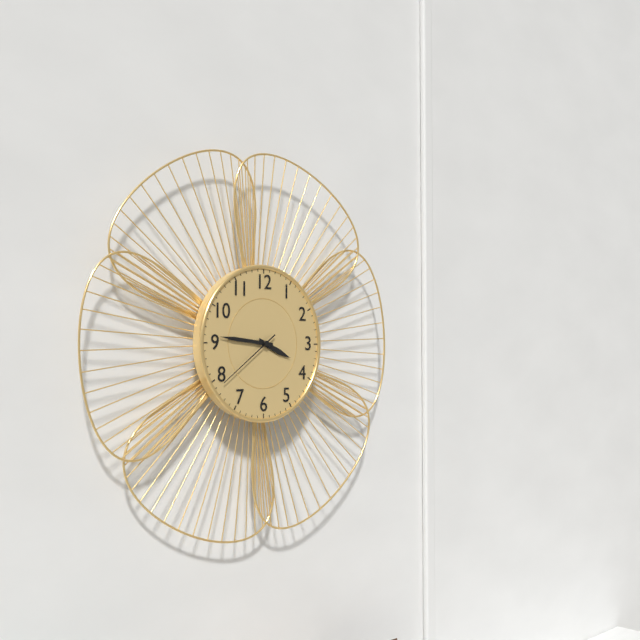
3 h 46 min 39 s
